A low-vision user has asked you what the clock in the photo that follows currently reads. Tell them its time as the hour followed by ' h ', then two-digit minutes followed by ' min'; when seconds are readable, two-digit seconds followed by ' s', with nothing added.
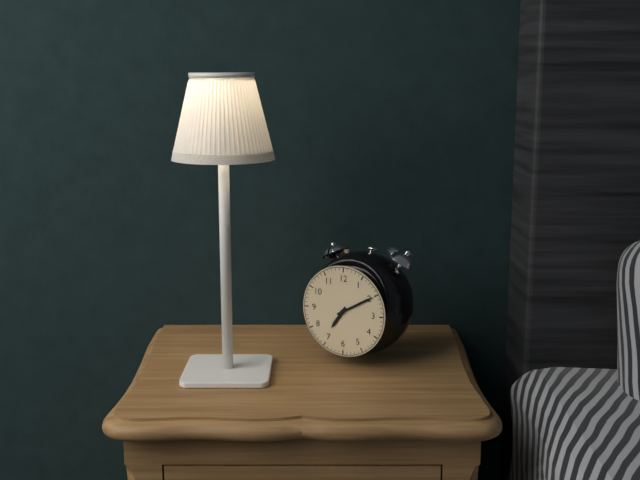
7 h 10 min
